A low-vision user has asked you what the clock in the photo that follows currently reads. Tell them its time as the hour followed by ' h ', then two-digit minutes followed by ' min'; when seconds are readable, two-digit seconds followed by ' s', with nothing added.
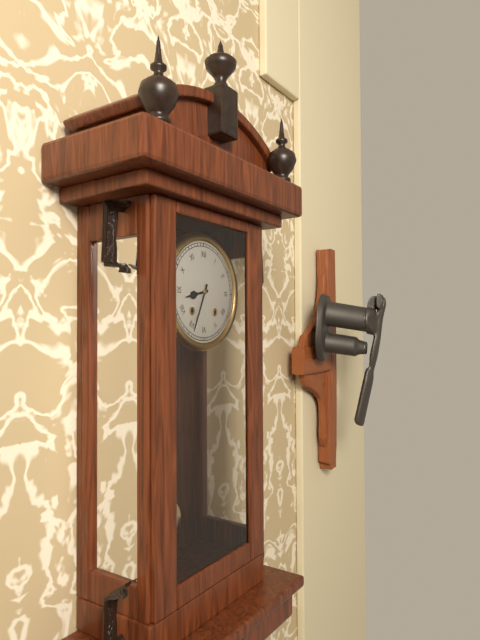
8 h 34 min
